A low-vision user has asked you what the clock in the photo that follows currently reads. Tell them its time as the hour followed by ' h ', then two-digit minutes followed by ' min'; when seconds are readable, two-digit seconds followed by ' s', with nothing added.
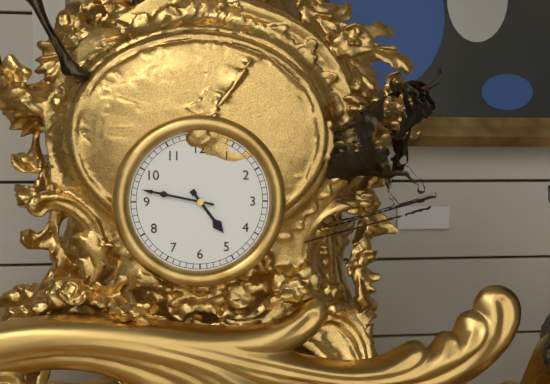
4 h 47 min
